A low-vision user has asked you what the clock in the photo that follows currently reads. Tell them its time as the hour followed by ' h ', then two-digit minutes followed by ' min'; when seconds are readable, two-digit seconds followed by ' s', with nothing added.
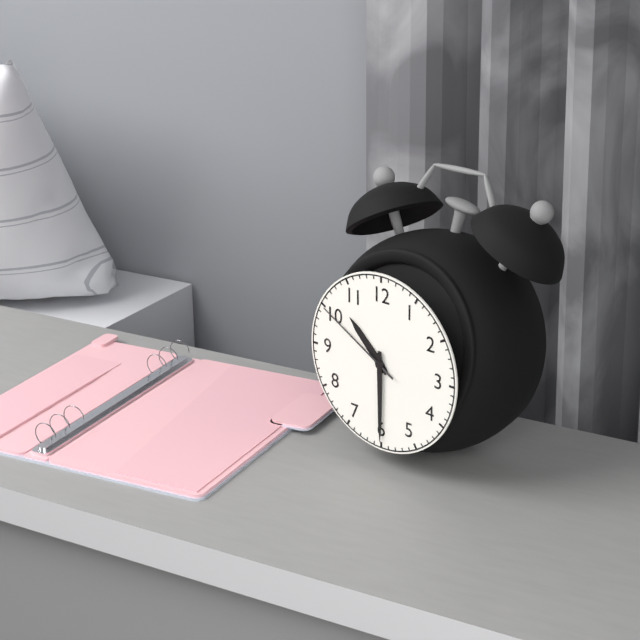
10 h 30 min 50 s
